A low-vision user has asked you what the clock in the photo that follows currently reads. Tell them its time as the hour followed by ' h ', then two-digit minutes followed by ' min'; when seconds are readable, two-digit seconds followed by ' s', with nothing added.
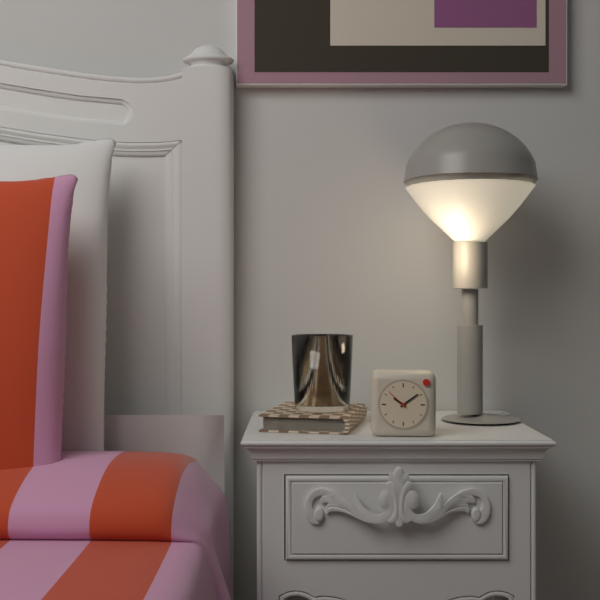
10 h 09 min
